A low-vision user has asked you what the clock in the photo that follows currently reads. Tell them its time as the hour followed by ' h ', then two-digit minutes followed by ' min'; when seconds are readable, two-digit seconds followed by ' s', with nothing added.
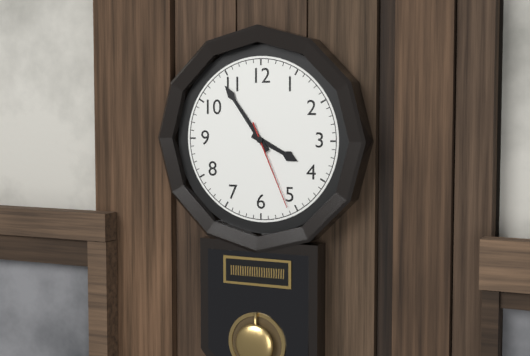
3 h 54 min 26 s
